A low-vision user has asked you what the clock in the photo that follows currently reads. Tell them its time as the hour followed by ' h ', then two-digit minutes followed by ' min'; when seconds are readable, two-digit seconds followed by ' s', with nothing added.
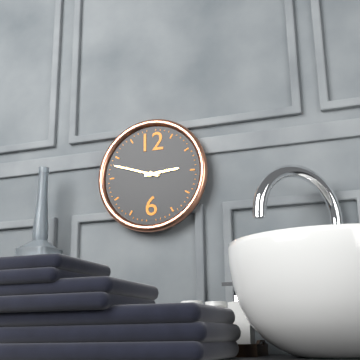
2 h 48 min
